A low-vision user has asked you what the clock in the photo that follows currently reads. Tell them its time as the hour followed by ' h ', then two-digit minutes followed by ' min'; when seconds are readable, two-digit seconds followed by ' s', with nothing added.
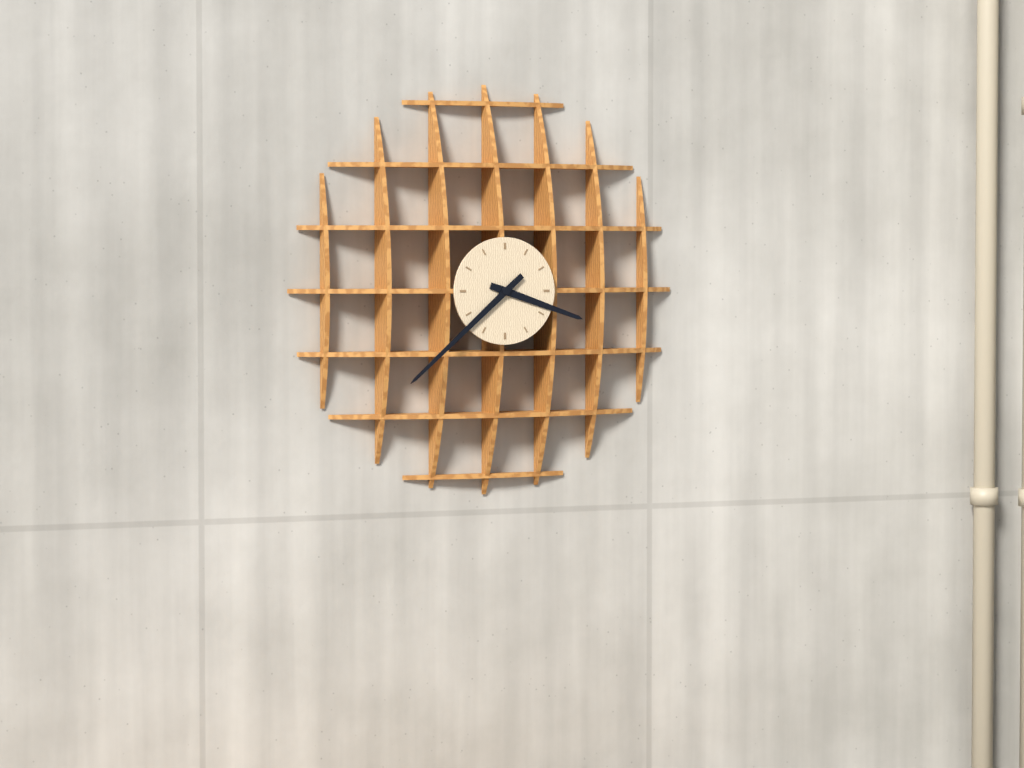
3 h 38 min
